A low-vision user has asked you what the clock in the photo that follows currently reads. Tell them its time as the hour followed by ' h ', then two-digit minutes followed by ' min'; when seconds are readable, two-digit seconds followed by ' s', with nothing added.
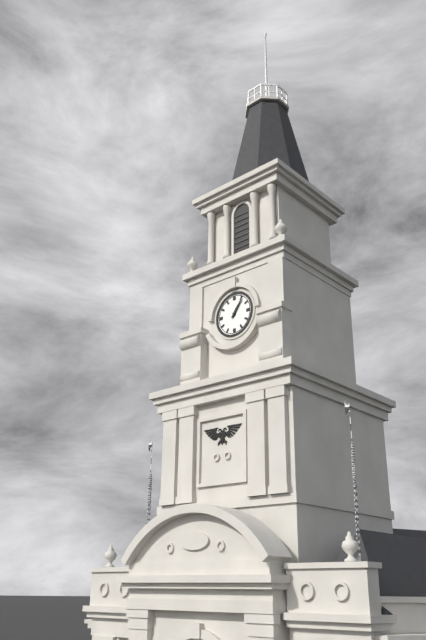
1 h 06 min
